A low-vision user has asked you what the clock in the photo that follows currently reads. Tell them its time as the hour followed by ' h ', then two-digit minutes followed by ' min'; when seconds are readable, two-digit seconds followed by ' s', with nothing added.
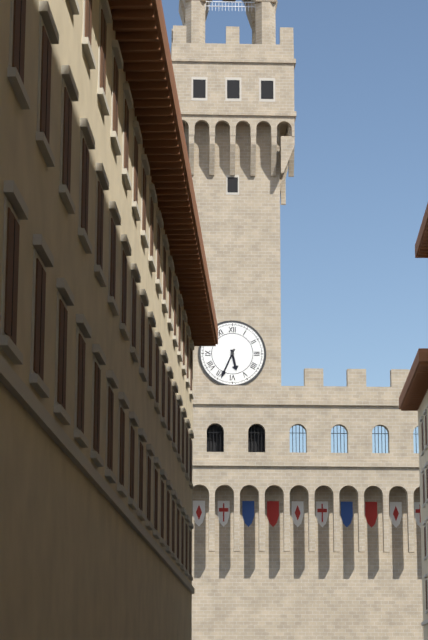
5 h 34 min
